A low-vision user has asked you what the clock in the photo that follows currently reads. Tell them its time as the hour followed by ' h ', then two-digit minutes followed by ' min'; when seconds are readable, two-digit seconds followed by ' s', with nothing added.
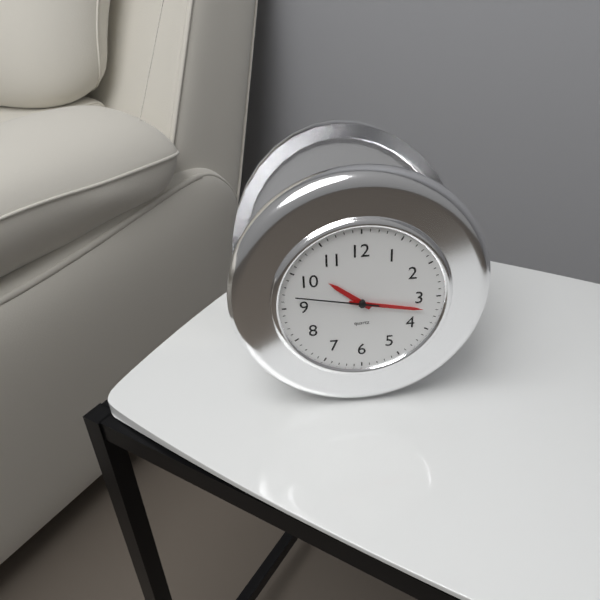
10 h 17 min 47 s
